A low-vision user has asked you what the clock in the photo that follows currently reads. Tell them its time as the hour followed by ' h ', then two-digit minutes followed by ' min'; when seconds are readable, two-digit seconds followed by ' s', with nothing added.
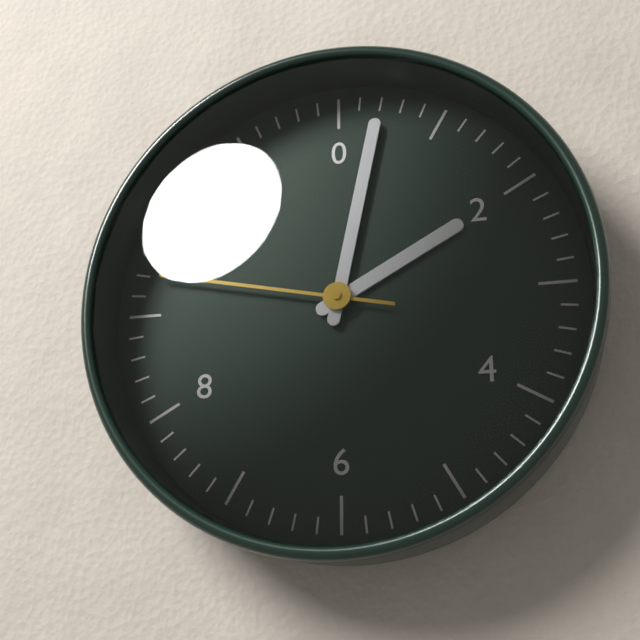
2 h 02 min 47 s
